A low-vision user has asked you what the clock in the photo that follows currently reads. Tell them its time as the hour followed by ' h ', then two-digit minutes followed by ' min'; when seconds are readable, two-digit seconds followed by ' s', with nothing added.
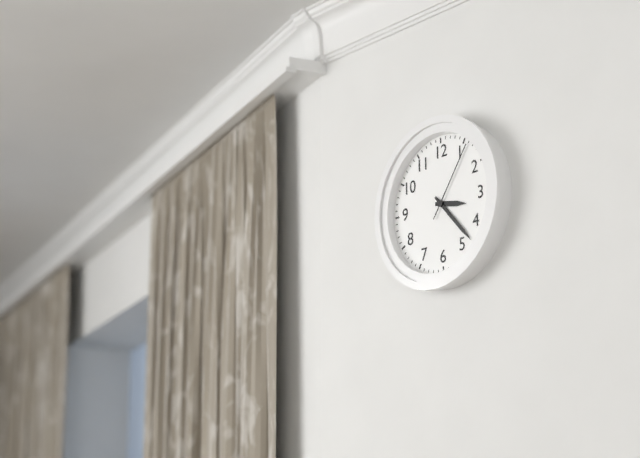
3 h 23 min 06 s
